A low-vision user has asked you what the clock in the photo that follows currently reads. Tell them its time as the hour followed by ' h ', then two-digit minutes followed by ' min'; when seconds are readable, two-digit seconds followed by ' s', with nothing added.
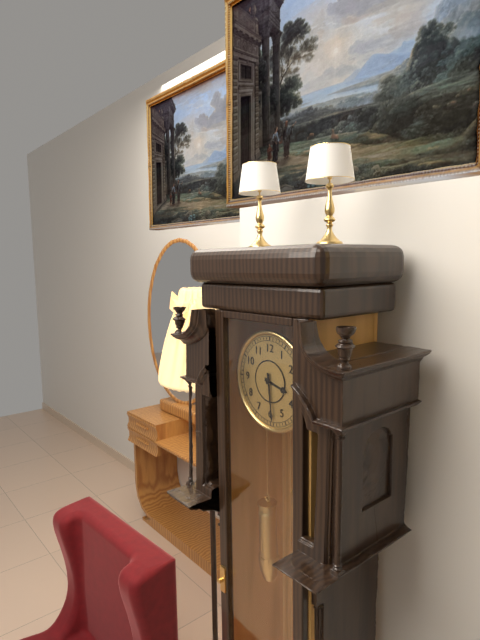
3 h 29 min
